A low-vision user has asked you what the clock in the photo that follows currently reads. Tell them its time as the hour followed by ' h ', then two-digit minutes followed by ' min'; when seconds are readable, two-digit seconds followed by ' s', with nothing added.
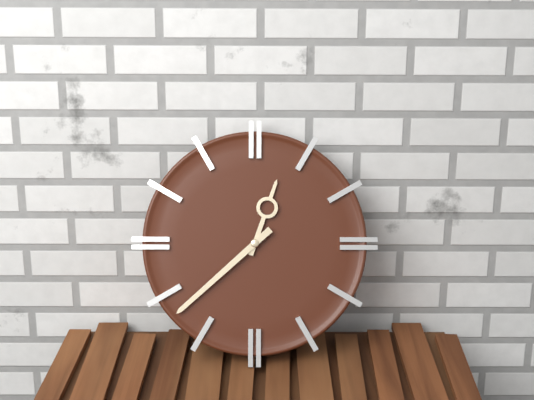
12 h 38 min
